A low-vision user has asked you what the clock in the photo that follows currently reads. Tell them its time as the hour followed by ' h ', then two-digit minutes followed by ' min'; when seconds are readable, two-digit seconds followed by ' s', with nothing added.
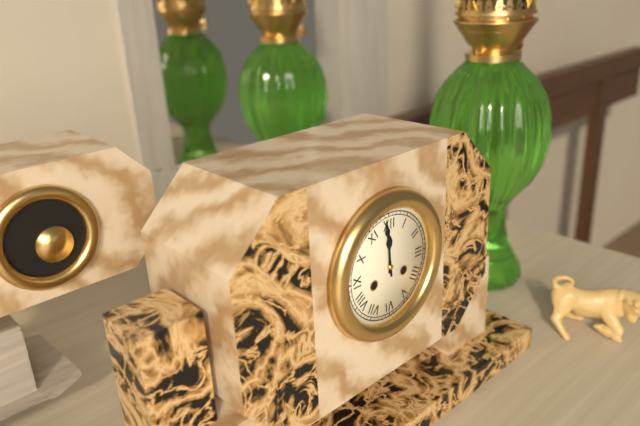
11 h 59 min
